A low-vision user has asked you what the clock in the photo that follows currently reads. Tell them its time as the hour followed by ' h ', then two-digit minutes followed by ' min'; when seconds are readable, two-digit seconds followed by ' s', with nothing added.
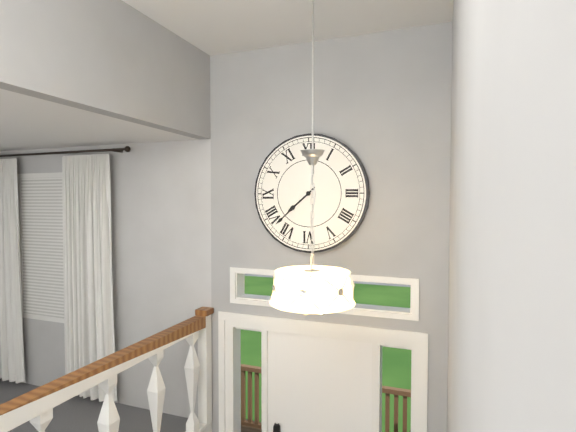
7 h 38 min
